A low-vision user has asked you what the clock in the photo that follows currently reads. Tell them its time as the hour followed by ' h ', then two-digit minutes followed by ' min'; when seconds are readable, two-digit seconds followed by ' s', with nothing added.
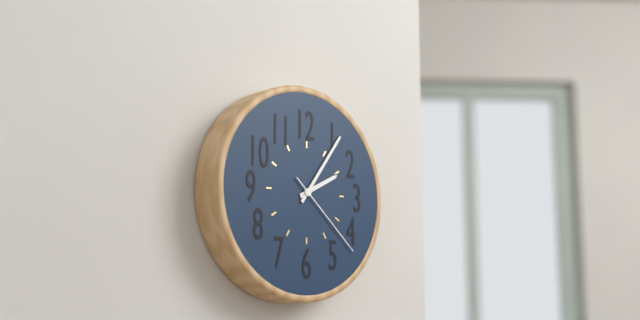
2 h 06 min 22 s
